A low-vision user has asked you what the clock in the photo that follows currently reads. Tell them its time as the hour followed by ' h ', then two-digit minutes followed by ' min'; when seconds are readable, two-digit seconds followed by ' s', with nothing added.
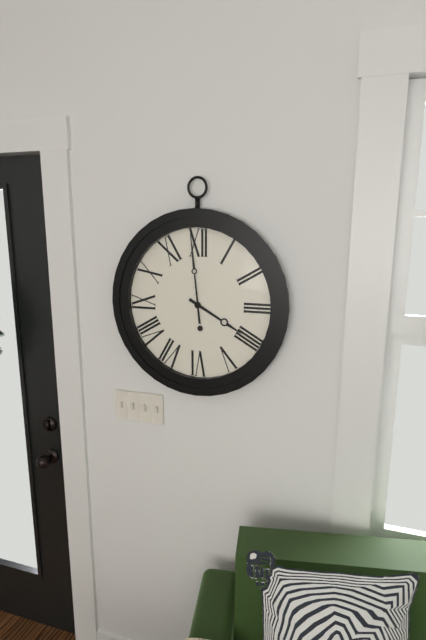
3 h 59 min
